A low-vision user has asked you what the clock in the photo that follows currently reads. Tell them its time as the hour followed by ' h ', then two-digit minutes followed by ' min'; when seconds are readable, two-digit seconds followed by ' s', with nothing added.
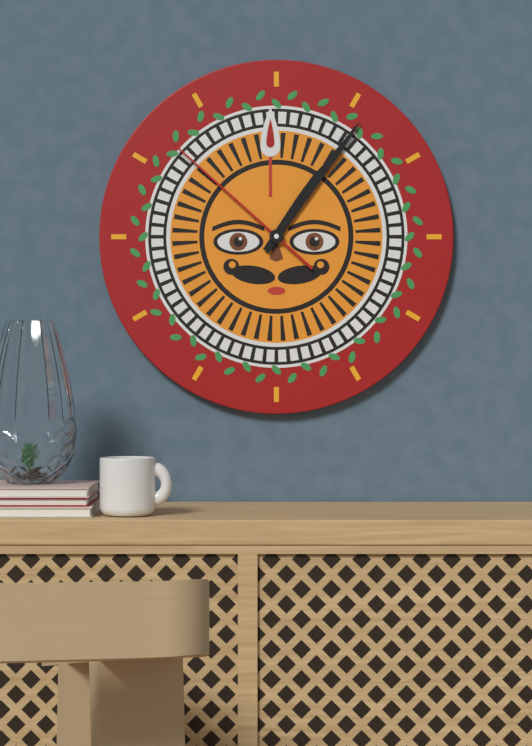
1 h 06 min 52 s
